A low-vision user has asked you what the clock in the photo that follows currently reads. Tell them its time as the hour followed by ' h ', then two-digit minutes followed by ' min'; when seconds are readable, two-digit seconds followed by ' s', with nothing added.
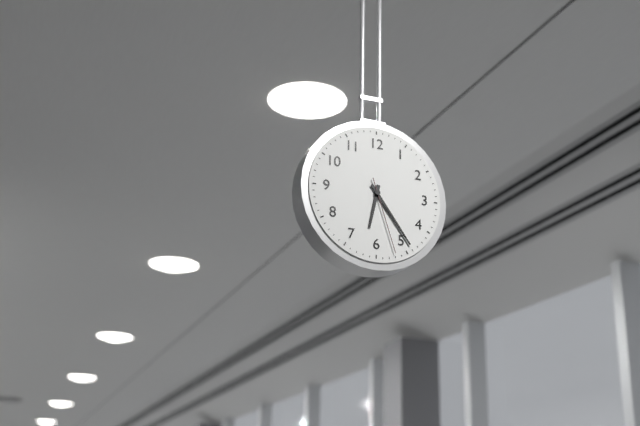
6 h 24 min 27 s
